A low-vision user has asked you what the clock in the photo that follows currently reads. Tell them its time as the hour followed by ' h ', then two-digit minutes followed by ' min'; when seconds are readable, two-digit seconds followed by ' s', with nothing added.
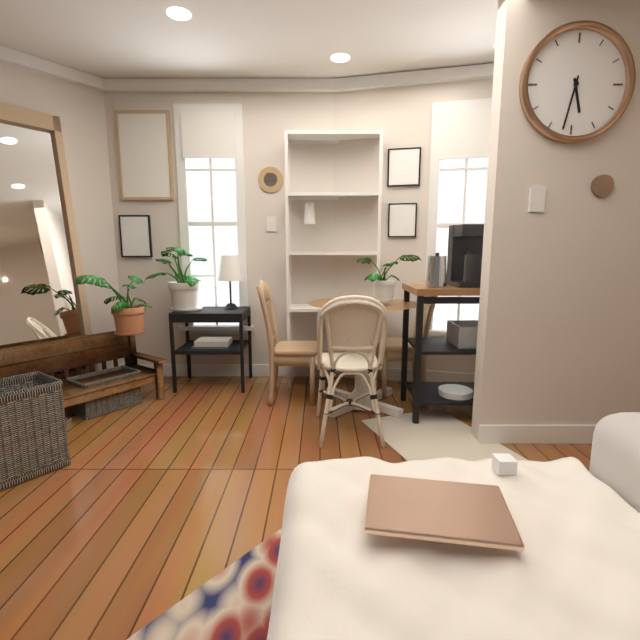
5 h 32 min
